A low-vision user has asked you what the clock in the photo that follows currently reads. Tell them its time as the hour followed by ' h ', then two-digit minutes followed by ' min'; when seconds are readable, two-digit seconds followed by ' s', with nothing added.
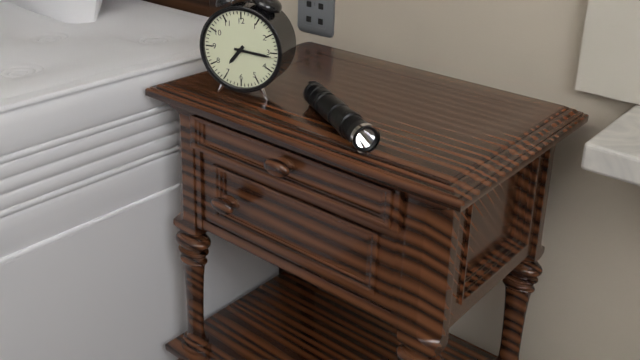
7 h 16 min
